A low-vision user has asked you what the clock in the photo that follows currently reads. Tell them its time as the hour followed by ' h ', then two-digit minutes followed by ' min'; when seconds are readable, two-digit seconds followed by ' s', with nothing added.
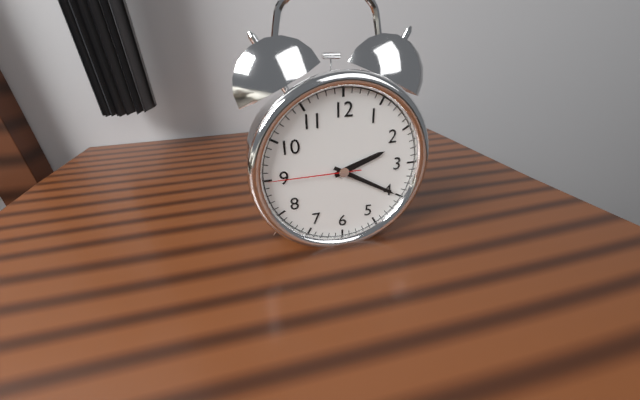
2 h 20 min 45 s
